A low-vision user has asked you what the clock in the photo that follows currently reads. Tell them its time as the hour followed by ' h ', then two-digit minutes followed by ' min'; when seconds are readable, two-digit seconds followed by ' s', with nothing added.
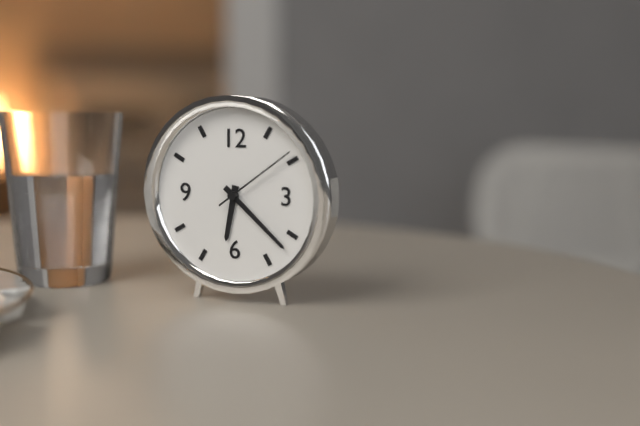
6 h 22 min 09 s
